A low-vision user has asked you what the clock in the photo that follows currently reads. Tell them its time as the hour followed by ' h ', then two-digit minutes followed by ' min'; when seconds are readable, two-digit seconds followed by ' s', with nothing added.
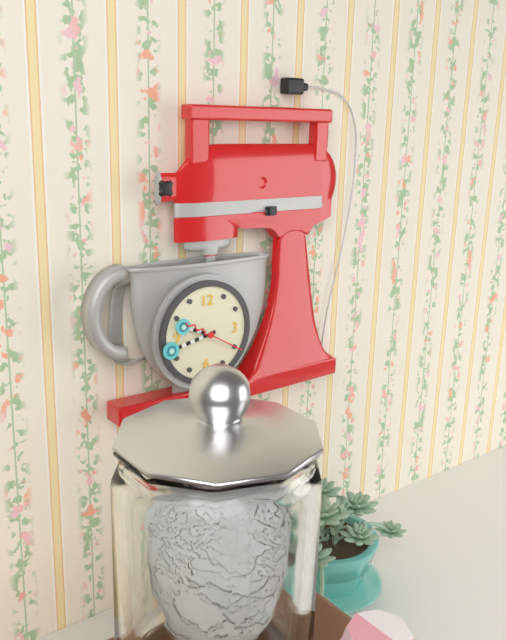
9 h 43 min 20 s
